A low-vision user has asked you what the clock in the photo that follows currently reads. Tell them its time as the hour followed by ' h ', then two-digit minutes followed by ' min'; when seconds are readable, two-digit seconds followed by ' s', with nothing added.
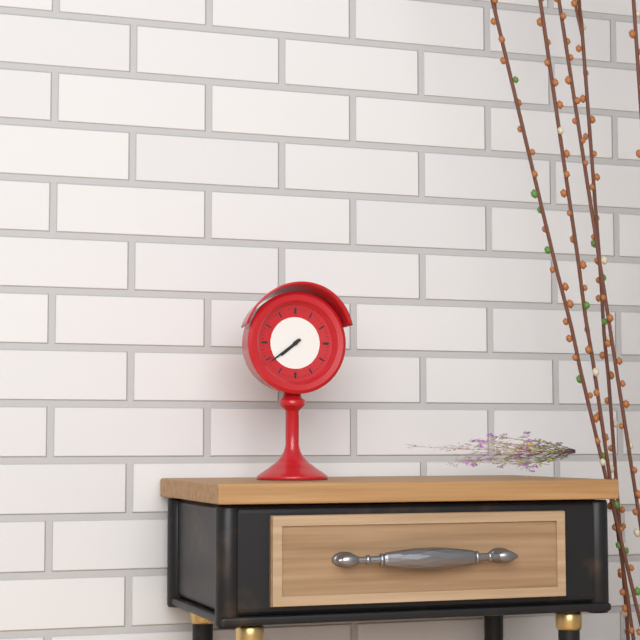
7 h 39 min
